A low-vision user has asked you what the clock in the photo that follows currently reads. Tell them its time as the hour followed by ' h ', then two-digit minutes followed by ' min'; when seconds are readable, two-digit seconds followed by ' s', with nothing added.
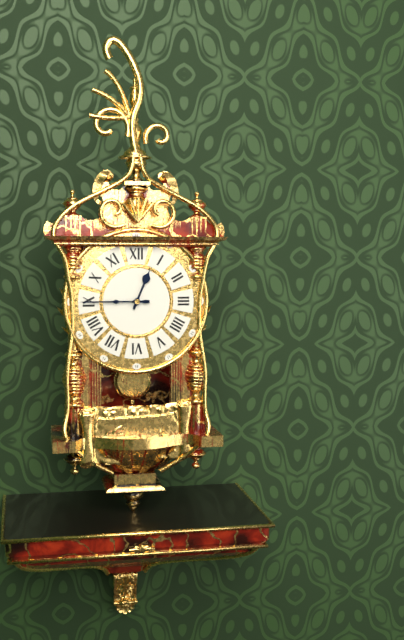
12 h 45 min
